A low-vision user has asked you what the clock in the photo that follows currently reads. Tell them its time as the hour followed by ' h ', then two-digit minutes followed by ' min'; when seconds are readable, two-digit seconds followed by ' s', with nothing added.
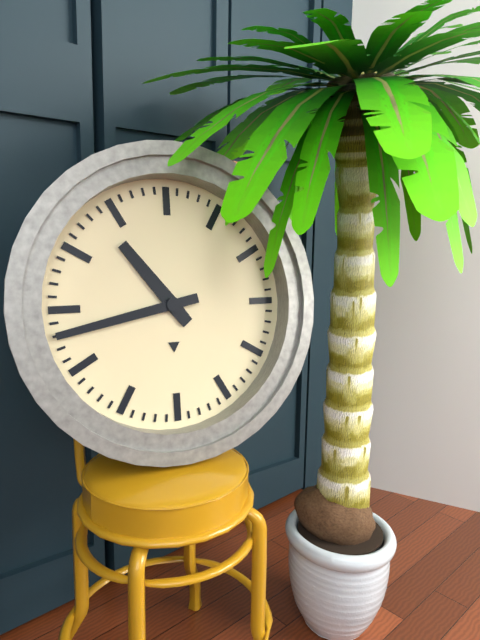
10 h 43 min
